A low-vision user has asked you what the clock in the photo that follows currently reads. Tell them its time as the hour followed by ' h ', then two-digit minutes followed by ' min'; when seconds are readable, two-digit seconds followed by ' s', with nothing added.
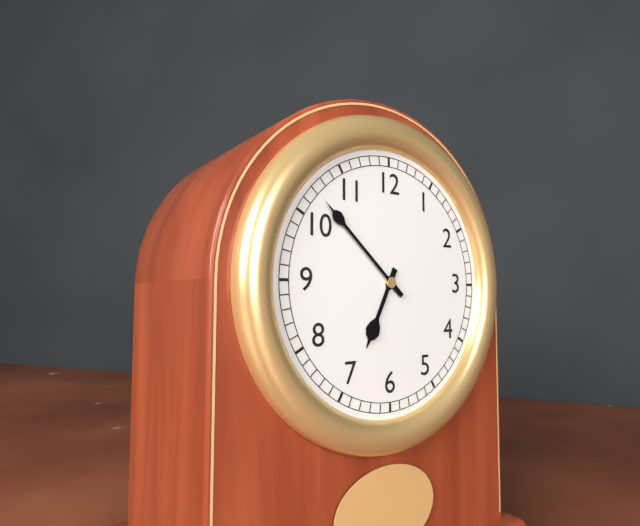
6 h 52 min
